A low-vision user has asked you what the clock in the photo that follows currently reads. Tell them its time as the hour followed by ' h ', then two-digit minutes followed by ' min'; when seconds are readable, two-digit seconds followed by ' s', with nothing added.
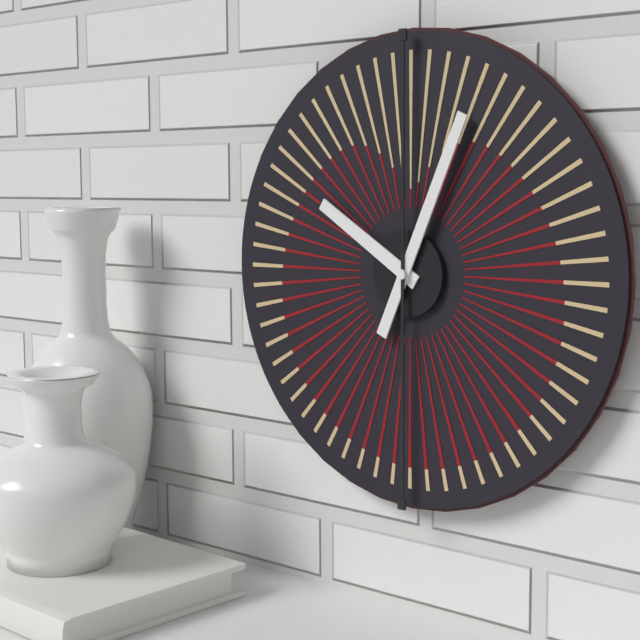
10 h 04 min
